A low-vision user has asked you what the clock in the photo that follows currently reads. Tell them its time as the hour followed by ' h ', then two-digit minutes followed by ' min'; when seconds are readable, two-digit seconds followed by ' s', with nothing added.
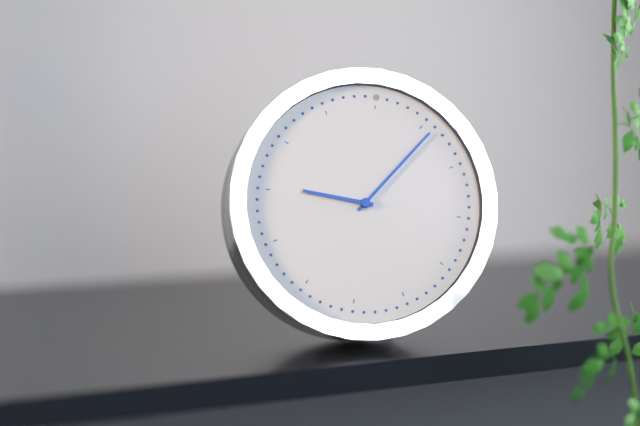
9 h 06 min
